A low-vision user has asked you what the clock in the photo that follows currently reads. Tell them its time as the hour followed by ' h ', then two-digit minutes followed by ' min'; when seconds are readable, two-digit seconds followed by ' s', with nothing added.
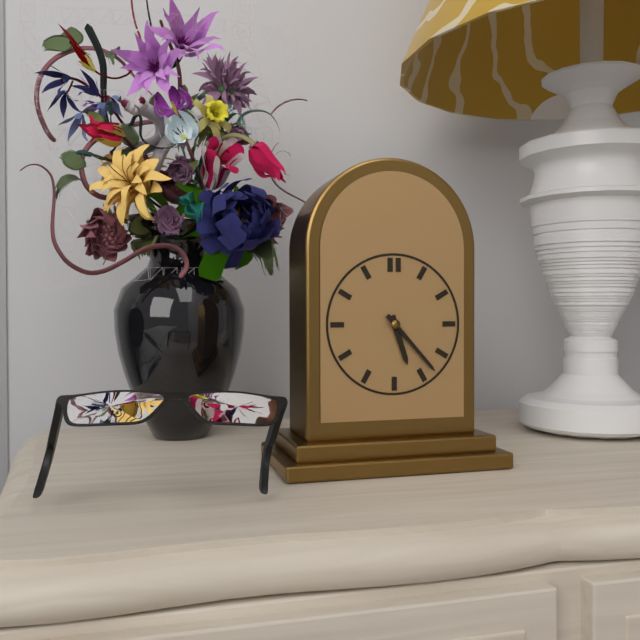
5 h 23 min
